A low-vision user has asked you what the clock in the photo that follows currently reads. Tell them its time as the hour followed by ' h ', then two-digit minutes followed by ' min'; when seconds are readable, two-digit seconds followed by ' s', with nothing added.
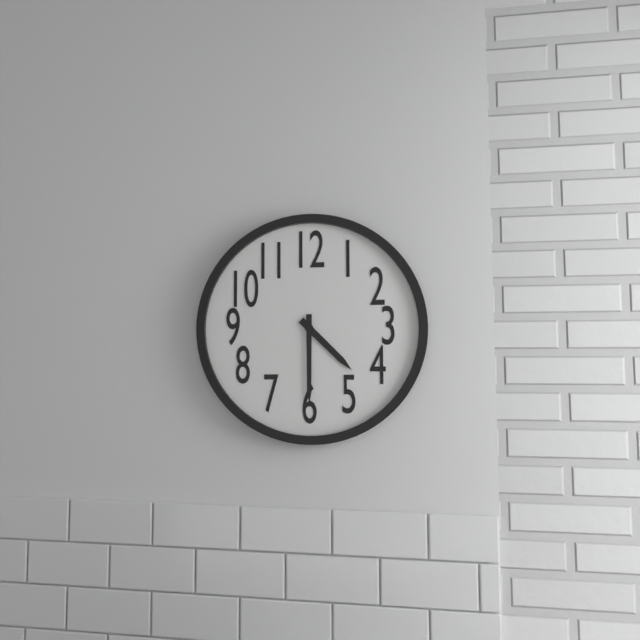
4 h 30 min
